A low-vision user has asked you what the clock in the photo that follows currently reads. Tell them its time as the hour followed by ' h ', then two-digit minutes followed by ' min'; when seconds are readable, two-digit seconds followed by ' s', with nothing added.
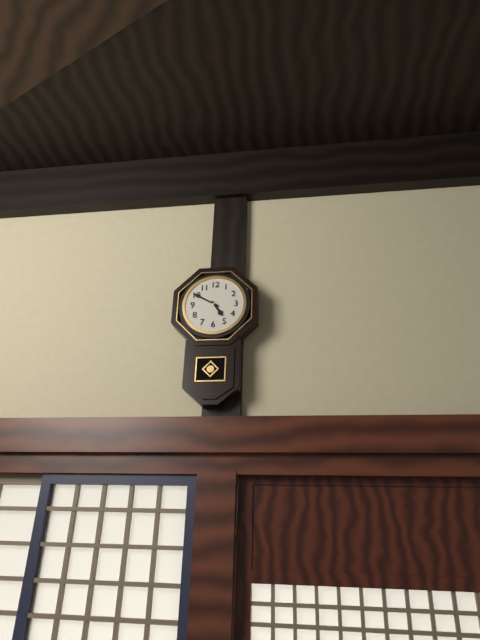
4 h 50 min
